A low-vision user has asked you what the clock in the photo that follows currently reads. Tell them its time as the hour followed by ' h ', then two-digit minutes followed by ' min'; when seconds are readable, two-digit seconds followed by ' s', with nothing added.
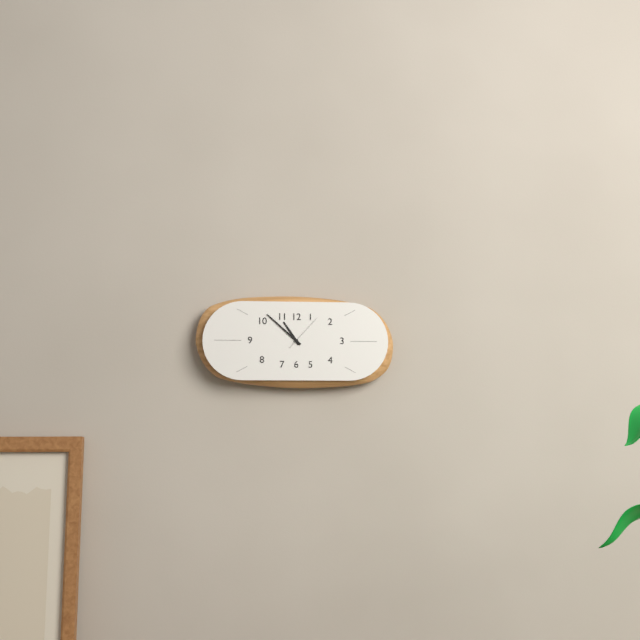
10 h 52 min
